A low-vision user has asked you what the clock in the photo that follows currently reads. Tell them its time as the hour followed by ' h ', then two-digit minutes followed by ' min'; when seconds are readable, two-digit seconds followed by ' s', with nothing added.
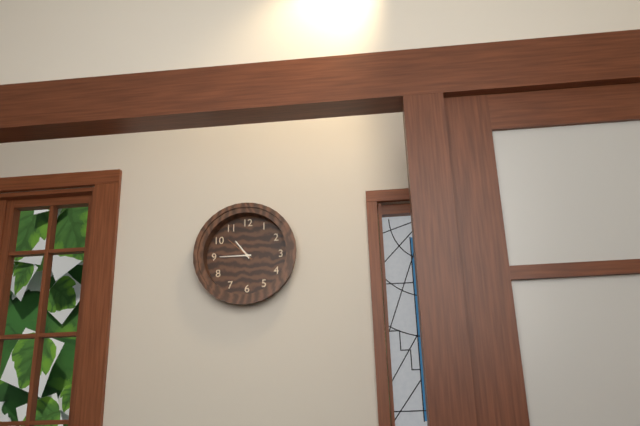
10 h 45 min
